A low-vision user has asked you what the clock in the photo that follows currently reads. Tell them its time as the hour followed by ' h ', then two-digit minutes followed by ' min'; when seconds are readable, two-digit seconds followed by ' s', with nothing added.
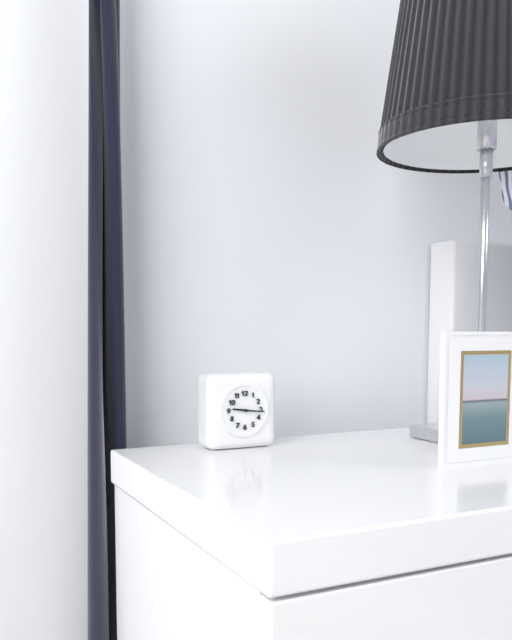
9 h 16 min
